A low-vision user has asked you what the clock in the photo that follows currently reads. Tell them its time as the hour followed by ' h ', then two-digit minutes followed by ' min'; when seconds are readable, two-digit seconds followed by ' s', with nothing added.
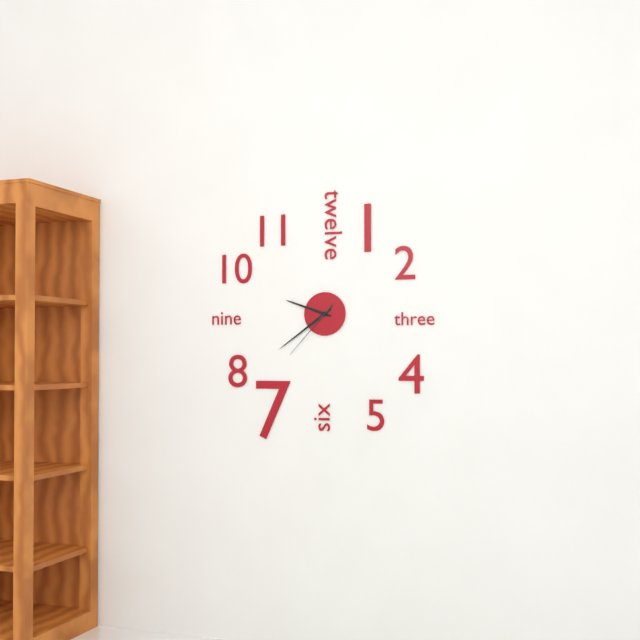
9 h 39 min 37 s
